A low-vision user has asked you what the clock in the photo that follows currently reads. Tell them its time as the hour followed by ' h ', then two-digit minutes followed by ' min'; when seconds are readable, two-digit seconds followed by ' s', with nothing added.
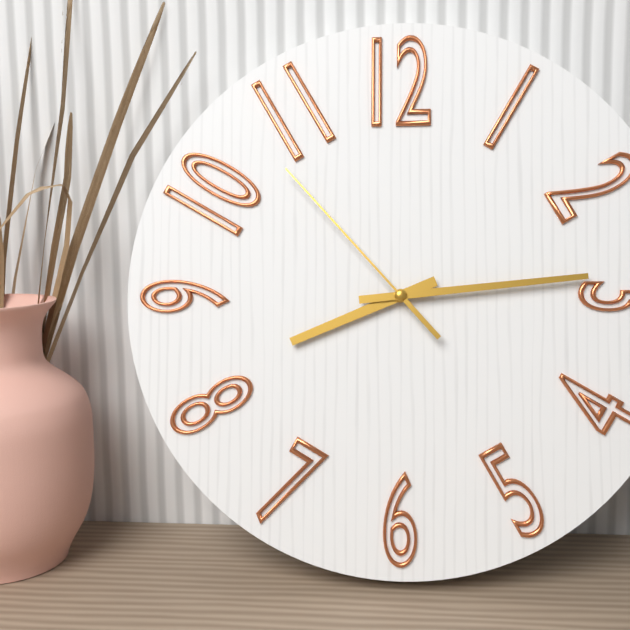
8 h 14 min 53 s
